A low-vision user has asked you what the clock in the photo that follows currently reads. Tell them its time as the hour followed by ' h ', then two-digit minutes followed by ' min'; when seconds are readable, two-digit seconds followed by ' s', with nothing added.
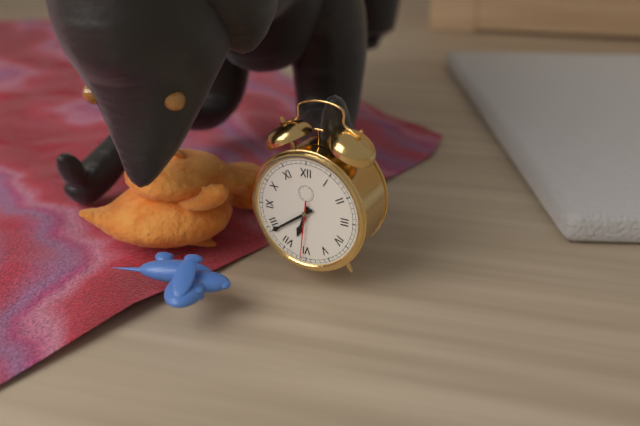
6 h 39 min 31 s
